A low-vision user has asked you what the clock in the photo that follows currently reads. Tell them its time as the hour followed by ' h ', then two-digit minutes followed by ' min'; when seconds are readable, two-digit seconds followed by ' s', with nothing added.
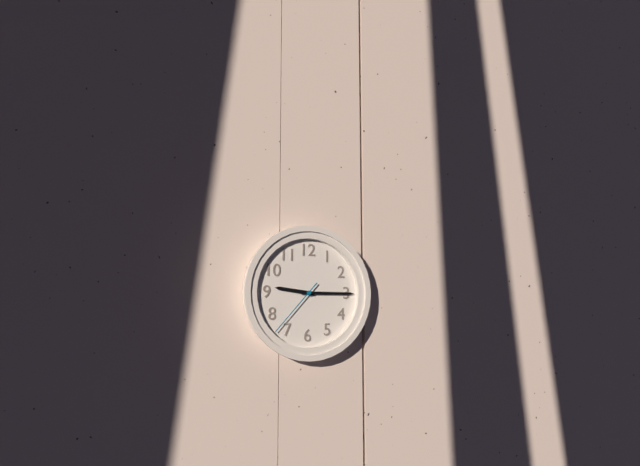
9 h 15 min 37 s
